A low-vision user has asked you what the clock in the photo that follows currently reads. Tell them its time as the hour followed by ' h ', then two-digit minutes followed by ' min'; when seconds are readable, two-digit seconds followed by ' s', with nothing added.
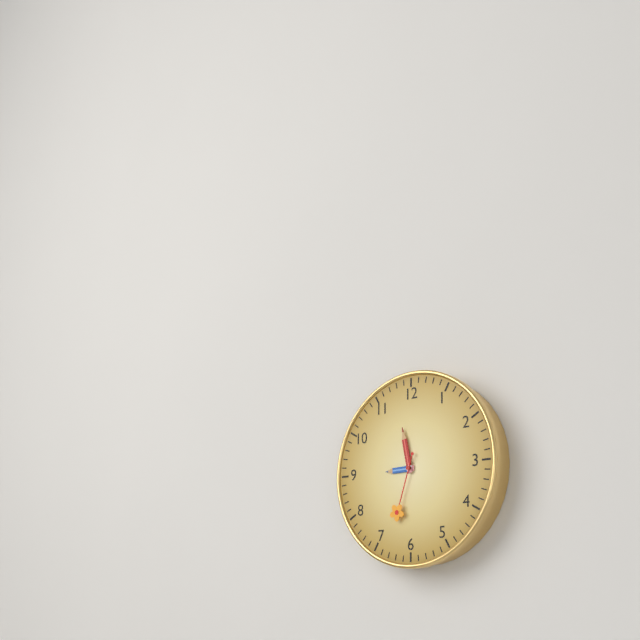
8 h 58 min 33 s
